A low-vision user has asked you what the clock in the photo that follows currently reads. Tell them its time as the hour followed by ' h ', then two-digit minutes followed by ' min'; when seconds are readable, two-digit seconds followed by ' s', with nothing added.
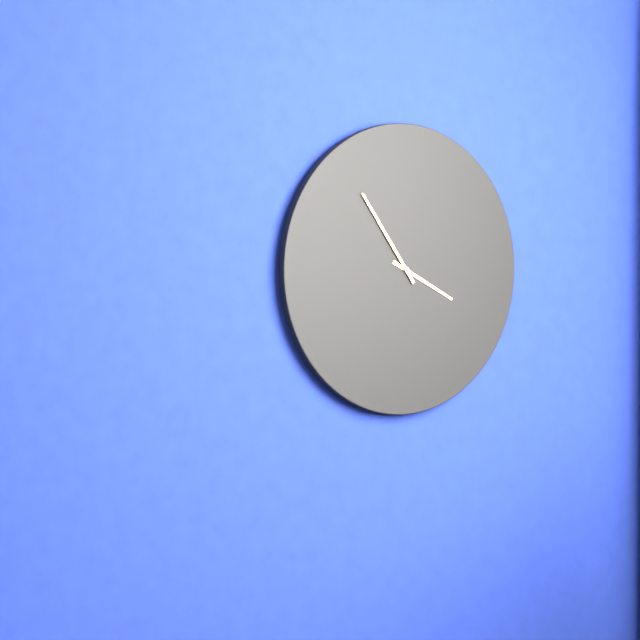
3 h 54 min
